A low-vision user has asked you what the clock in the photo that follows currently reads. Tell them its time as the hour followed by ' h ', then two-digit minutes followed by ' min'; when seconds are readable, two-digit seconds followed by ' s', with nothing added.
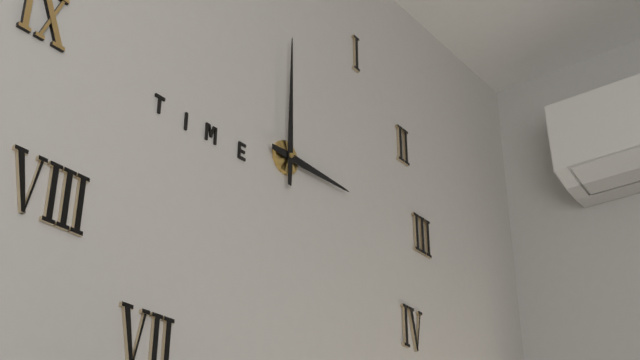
3 h 00 min
